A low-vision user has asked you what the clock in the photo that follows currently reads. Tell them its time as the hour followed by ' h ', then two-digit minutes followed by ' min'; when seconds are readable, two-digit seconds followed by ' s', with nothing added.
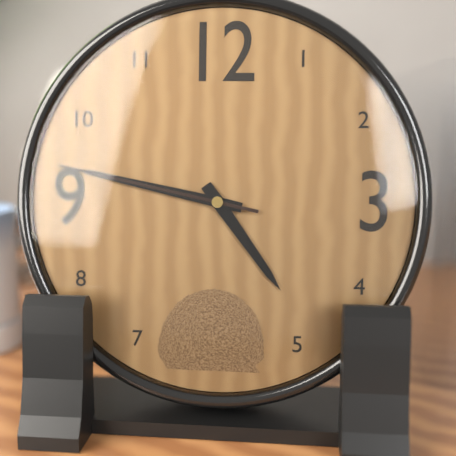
4 h 47 min 47 s
